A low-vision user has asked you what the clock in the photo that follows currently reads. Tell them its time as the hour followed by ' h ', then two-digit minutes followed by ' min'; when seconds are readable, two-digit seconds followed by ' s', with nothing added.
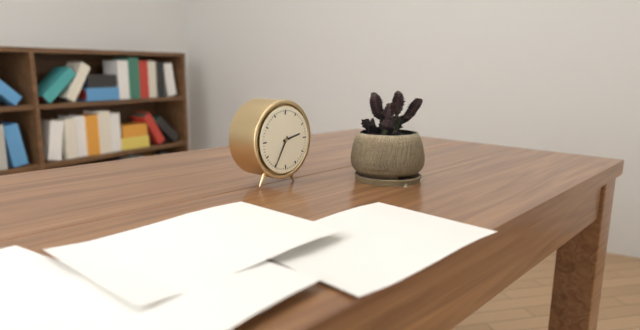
2 h 35 min
